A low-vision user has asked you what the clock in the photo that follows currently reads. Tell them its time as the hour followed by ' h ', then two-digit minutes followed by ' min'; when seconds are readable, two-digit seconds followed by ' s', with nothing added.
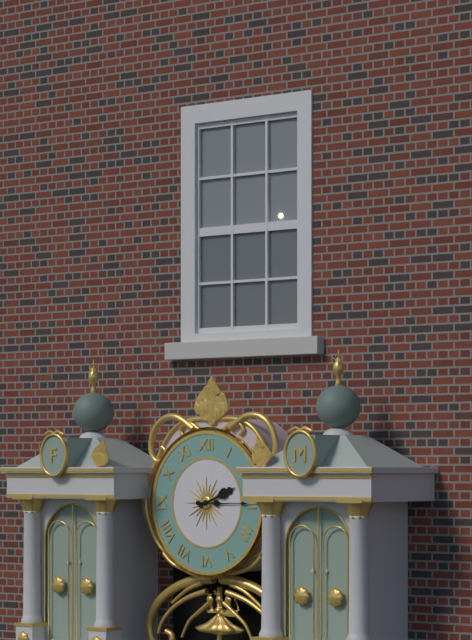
2 h 15 min
